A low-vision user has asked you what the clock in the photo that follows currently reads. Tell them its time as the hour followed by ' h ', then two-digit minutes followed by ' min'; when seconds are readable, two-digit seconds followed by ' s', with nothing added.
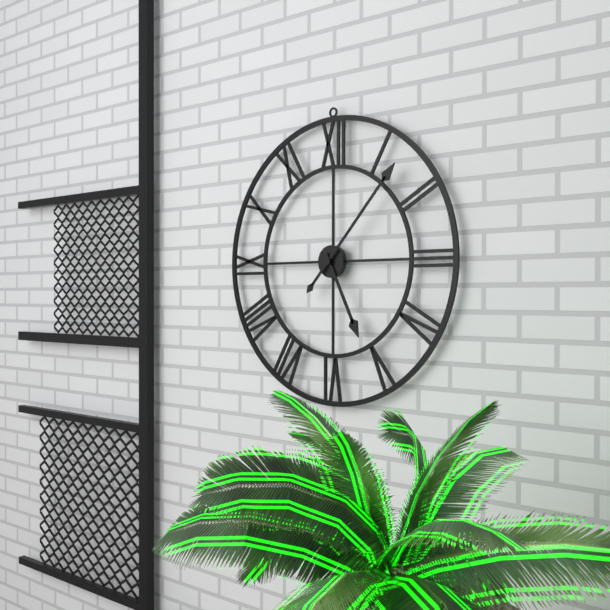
5 h 07 min
